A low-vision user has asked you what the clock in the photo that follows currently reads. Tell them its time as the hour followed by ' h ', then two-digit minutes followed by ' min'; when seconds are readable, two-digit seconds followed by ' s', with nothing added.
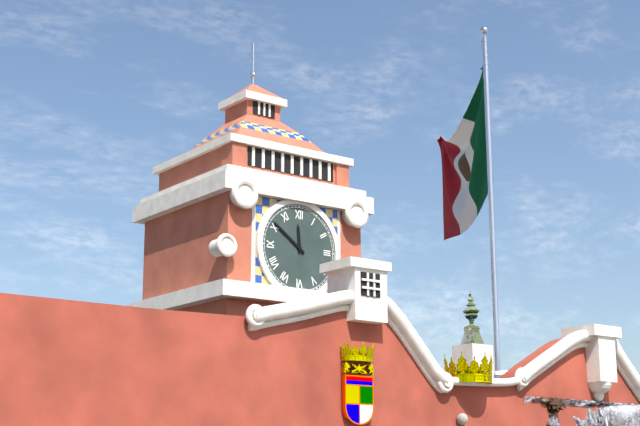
11 h 51 min
